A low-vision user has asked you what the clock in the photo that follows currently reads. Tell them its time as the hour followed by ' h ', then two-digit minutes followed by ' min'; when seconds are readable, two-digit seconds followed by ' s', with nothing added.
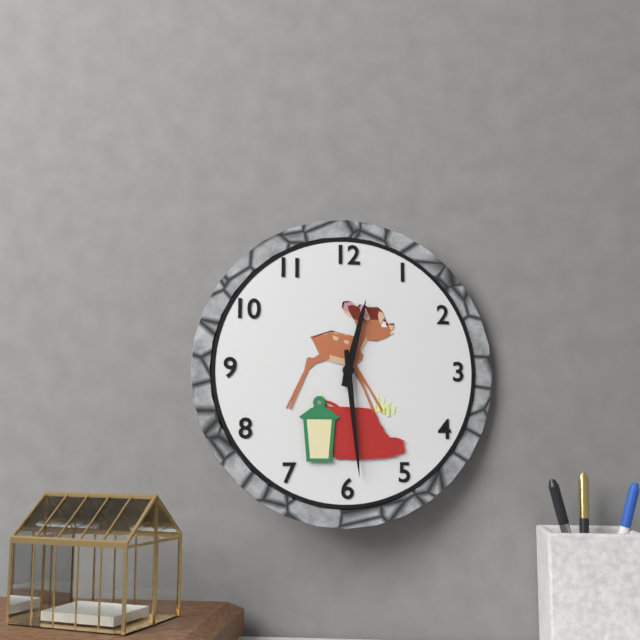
12 h 29 min
